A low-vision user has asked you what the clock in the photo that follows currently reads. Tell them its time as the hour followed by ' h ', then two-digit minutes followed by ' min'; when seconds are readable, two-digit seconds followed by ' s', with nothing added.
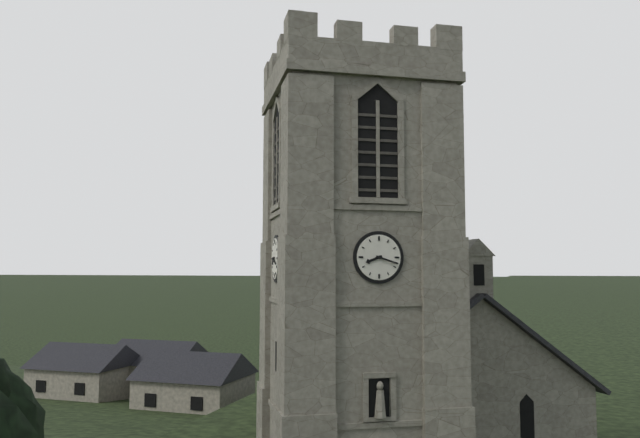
8 h 18 min
